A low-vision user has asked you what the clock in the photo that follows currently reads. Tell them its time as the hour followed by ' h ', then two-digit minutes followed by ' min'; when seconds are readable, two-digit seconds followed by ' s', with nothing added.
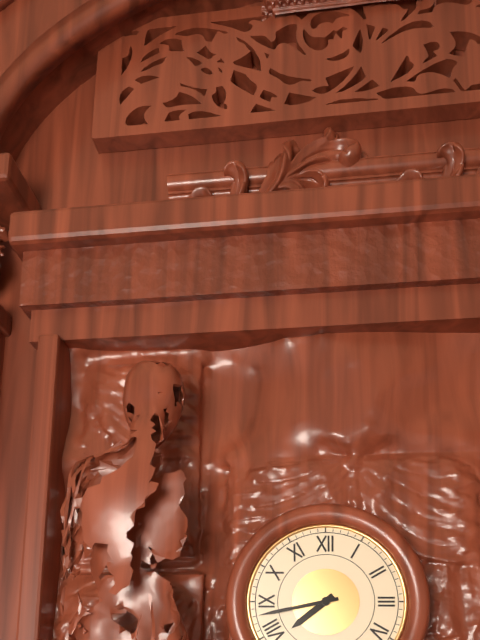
7 h 43 min
